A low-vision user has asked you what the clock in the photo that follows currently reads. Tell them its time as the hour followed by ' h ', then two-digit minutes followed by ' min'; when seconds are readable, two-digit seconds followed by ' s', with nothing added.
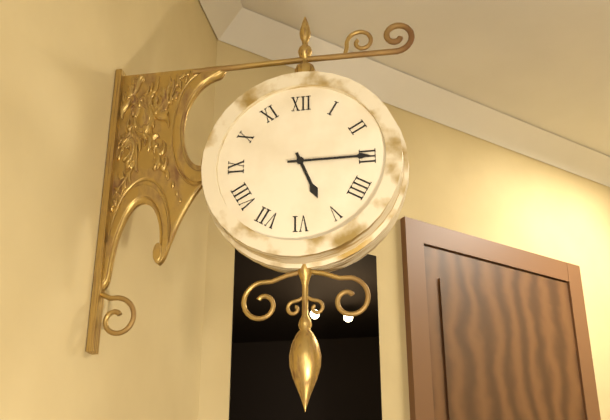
5 h 15 min
